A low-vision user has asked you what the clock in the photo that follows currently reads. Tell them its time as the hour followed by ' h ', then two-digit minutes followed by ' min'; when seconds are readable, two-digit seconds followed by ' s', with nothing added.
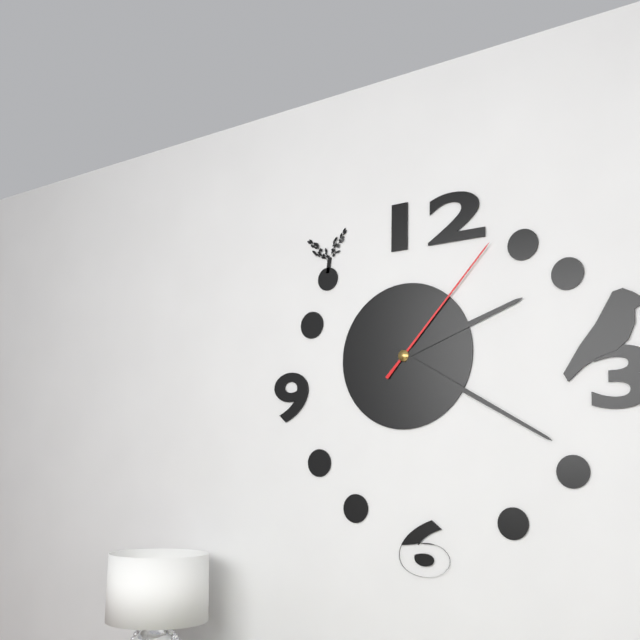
2 h 20 min 07 s
